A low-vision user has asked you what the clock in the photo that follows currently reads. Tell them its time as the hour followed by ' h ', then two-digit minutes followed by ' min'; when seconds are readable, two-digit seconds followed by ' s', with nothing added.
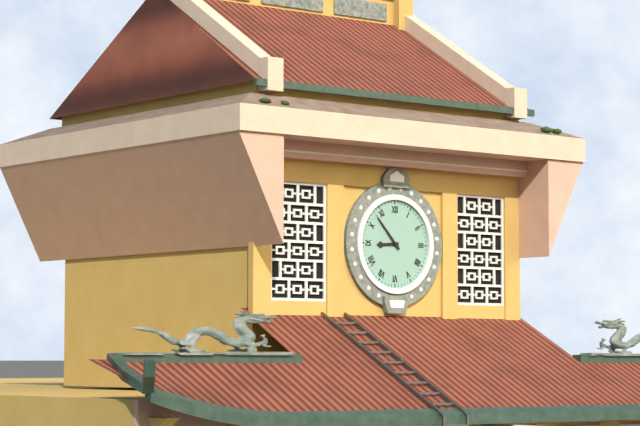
8 h 53 min
